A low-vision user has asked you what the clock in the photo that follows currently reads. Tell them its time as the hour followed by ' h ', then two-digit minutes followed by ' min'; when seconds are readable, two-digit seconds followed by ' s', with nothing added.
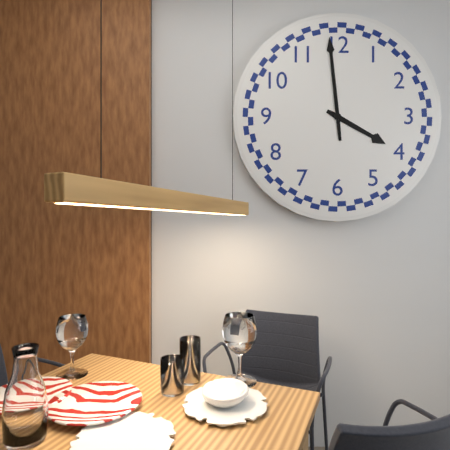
3 h 59 min
